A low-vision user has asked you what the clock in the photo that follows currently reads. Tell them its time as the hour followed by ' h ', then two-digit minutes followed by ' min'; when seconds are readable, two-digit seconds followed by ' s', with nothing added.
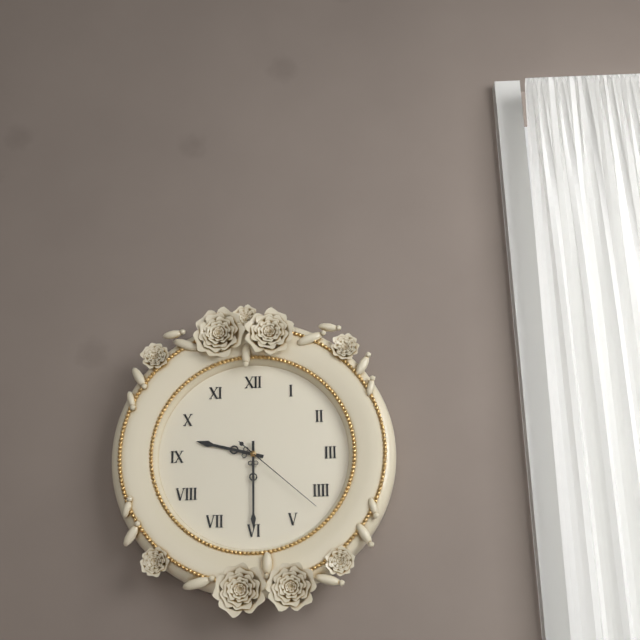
9 h 30 min 22 s
